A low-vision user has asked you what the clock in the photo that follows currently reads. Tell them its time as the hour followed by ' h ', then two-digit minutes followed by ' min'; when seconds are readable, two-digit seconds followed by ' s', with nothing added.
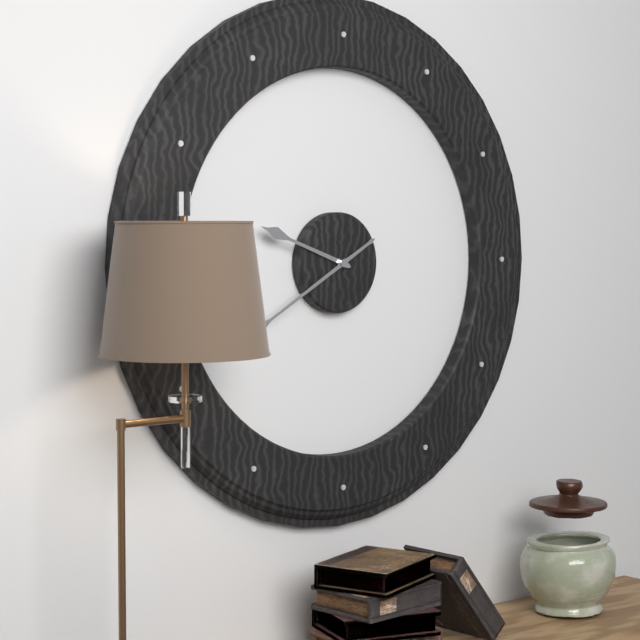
9 h 40 min
